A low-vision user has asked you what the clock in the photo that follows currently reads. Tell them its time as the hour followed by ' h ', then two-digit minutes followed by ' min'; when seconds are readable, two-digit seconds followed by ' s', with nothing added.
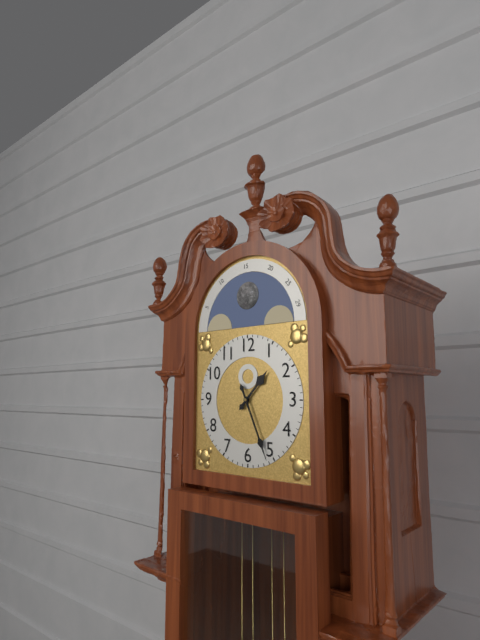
1 h 26 min
